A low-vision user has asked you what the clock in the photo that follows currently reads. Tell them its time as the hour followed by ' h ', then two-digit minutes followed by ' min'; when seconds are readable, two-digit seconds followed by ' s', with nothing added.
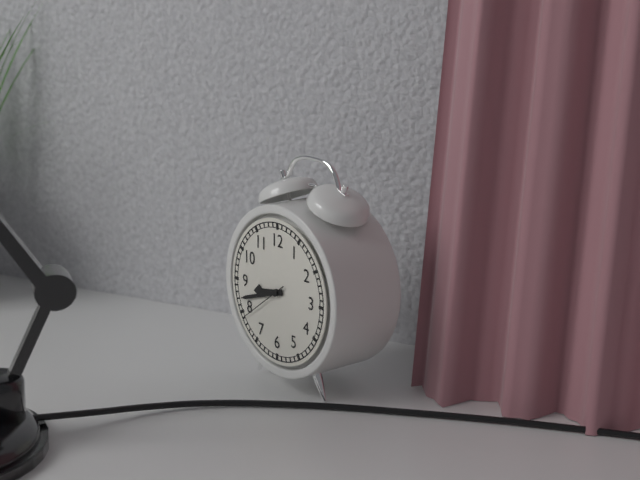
8 h 42 min 39 s
